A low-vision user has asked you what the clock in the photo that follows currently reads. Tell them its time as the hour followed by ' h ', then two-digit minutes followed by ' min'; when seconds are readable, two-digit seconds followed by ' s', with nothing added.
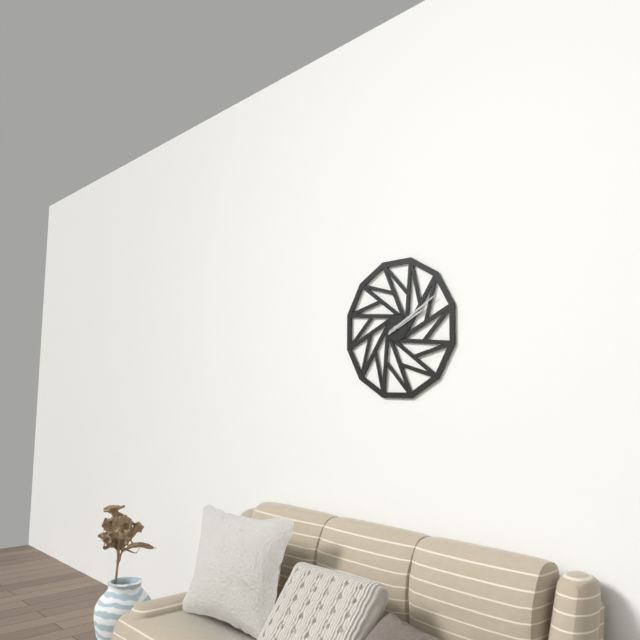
2 h 10 min
